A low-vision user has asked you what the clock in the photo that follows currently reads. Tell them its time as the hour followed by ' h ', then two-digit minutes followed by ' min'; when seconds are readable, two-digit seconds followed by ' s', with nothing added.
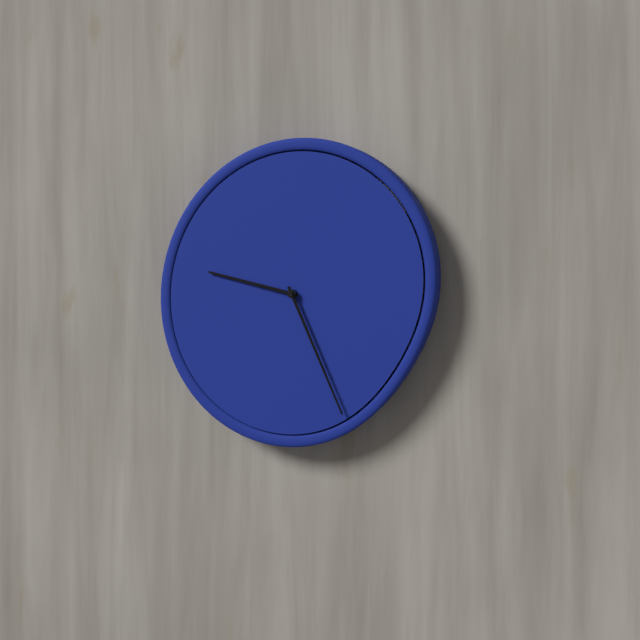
9 h 26 min
